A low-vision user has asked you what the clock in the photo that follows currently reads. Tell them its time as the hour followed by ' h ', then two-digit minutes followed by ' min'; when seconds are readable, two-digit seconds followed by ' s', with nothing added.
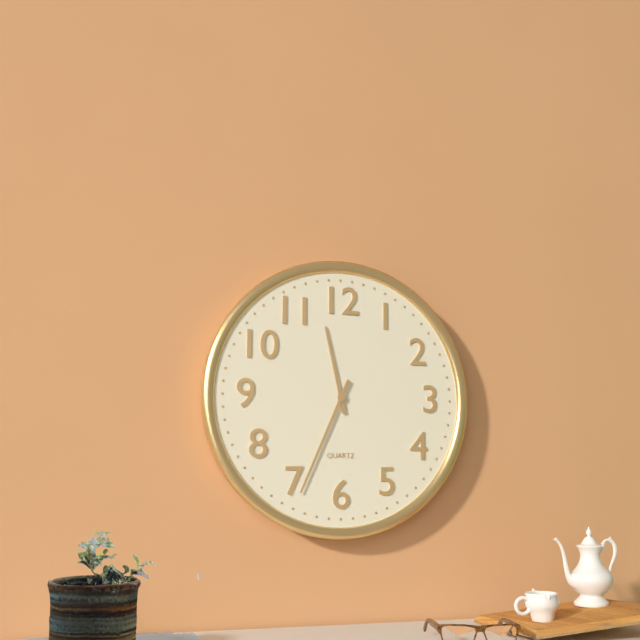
11 h 34 min
